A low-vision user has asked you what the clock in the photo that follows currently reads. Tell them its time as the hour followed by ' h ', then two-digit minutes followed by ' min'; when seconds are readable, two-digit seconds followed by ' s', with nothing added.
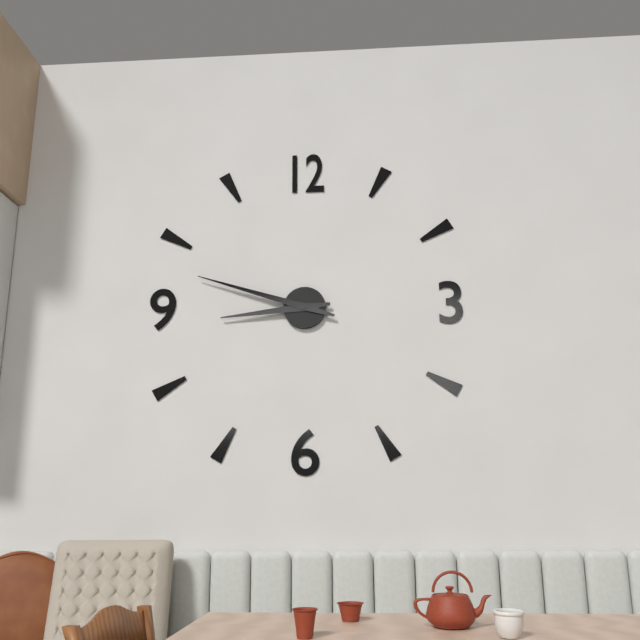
8 h 48 min
